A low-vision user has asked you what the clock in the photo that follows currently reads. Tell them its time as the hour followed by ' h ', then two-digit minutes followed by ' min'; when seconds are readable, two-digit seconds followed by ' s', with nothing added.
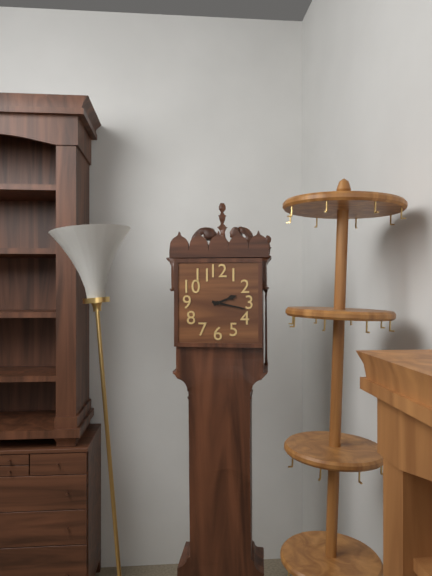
2 h 17 min
